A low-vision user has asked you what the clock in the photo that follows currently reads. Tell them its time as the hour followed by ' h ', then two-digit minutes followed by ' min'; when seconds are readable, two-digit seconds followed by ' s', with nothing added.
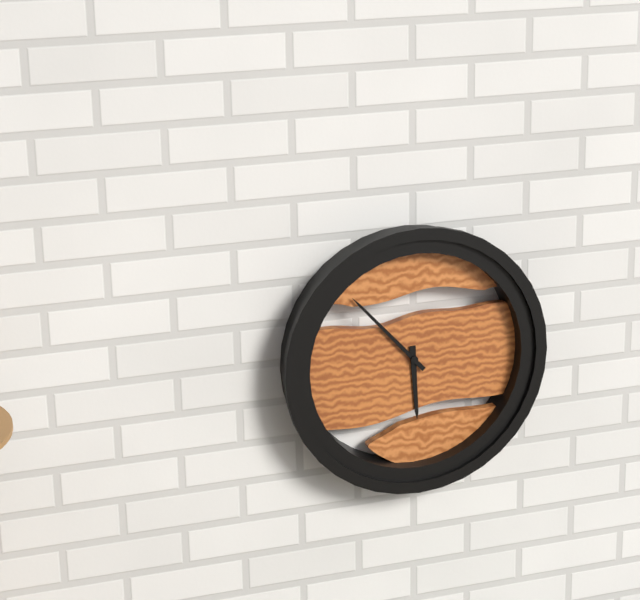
5 h 53 min
